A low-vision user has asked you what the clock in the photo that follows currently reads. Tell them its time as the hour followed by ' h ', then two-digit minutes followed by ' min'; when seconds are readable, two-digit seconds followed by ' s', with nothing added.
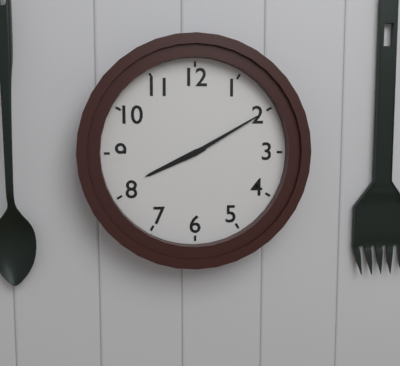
8 h 10 min
